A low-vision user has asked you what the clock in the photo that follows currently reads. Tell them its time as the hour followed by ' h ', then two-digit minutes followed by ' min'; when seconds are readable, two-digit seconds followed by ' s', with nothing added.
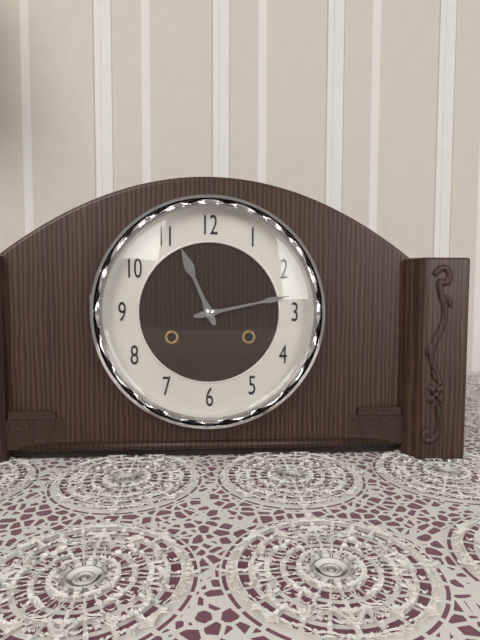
11 h 13 min
